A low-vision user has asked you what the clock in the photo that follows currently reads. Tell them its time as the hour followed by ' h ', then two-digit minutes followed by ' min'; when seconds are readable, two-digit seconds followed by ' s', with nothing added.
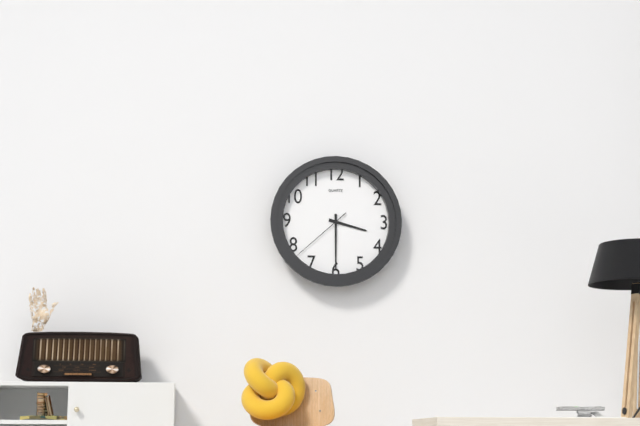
3 h 30 min 38 s
